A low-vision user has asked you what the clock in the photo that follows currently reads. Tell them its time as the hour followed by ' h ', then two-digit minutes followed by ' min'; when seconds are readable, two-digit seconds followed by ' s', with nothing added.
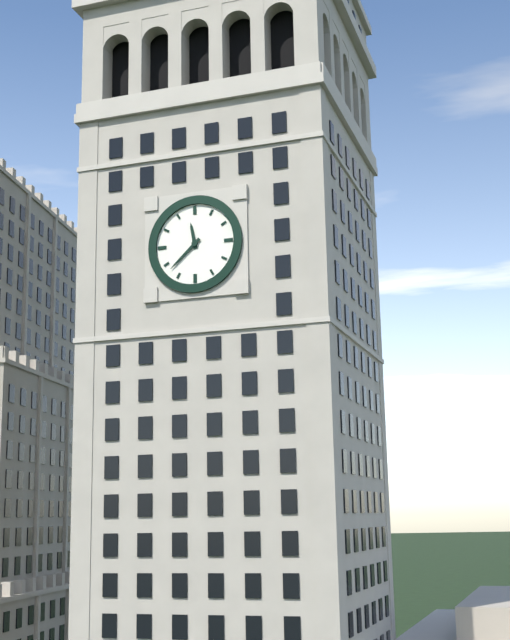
11 h 38 min
